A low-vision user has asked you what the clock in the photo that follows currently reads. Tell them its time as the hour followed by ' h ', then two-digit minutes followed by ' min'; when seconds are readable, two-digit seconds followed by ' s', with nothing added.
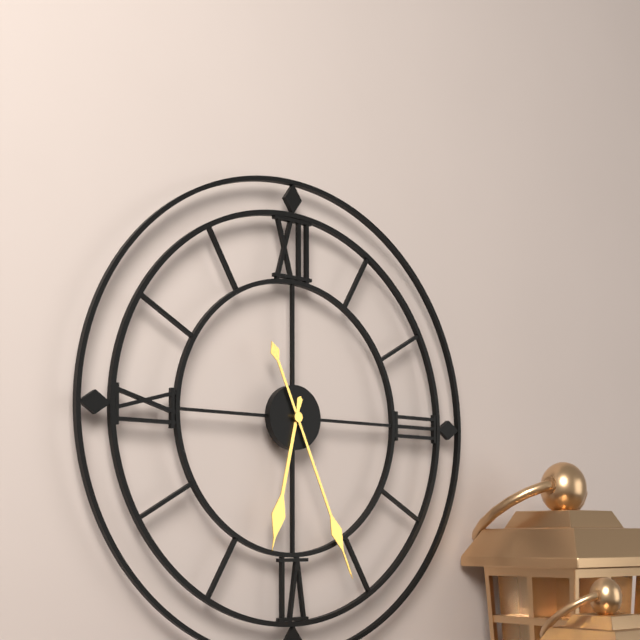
6 h 26 min
